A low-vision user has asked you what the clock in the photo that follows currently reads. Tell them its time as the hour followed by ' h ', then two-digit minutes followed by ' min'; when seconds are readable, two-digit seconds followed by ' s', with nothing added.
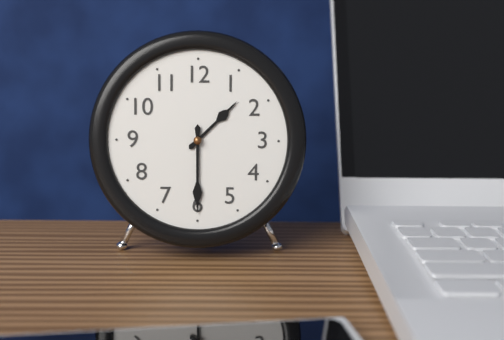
1 h 30 min
